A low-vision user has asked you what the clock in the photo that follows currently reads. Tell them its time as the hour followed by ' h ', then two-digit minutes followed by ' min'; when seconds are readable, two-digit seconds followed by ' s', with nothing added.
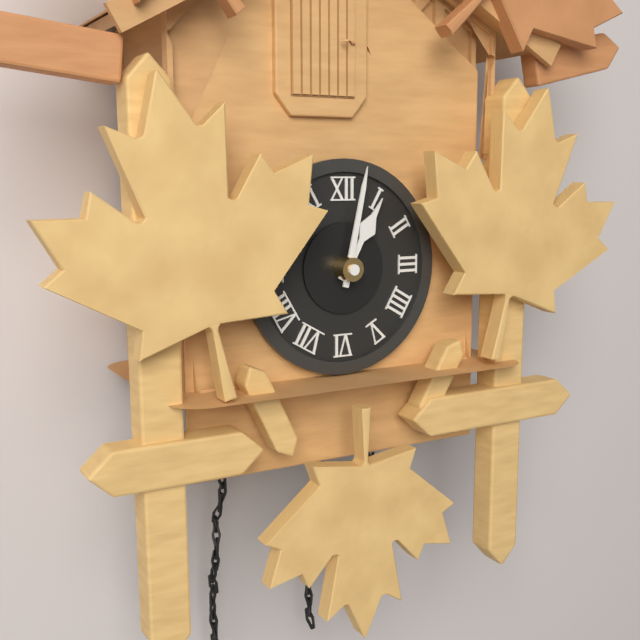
1 h 02 min
